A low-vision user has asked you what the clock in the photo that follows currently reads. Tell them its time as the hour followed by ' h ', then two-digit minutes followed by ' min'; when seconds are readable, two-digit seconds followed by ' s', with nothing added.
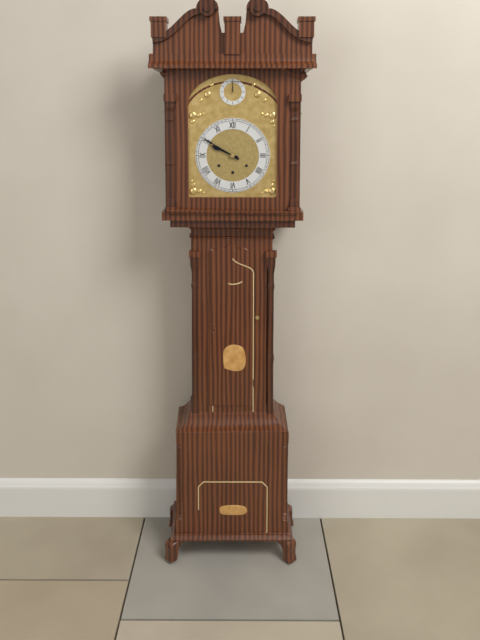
9 h 50 min
